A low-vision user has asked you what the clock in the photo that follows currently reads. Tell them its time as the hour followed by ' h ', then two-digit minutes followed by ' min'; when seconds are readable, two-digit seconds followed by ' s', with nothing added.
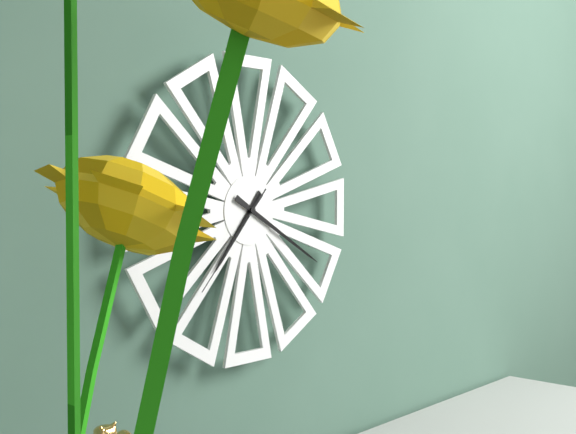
7 h 20 min 37 s
